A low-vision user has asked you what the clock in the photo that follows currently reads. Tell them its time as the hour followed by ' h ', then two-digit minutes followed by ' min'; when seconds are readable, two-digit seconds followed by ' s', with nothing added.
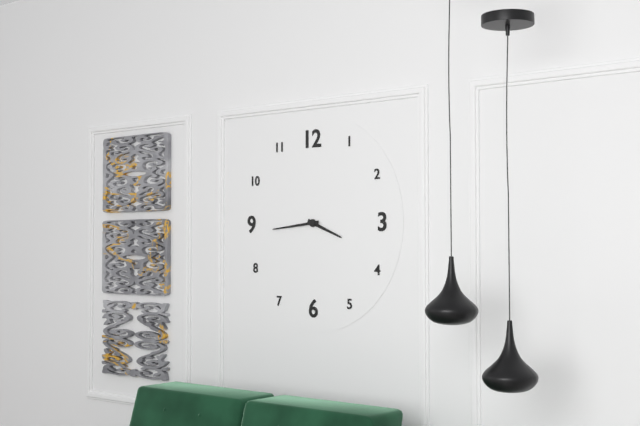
3 h 44 min
